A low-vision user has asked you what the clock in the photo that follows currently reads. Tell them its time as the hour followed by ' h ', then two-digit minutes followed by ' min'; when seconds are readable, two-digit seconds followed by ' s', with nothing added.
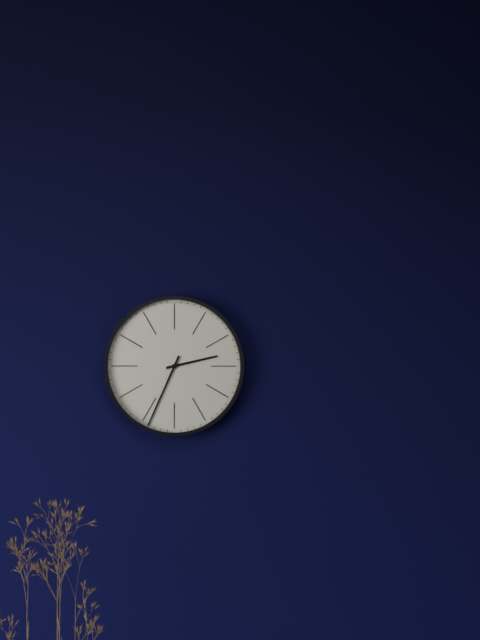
2 h 34 min
